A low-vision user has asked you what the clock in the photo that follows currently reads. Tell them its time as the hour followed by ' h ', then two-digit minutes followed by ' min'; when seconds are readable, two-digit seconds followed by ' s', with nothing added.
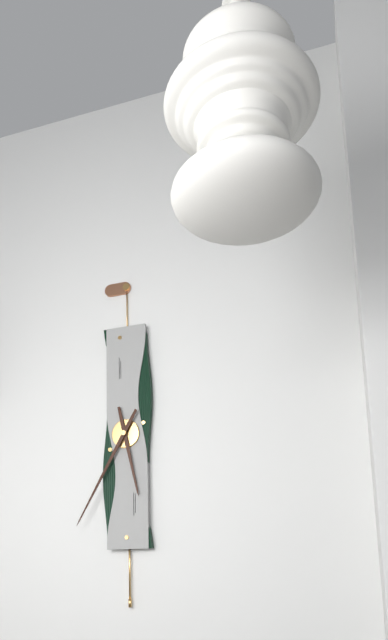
5 h 35 min
